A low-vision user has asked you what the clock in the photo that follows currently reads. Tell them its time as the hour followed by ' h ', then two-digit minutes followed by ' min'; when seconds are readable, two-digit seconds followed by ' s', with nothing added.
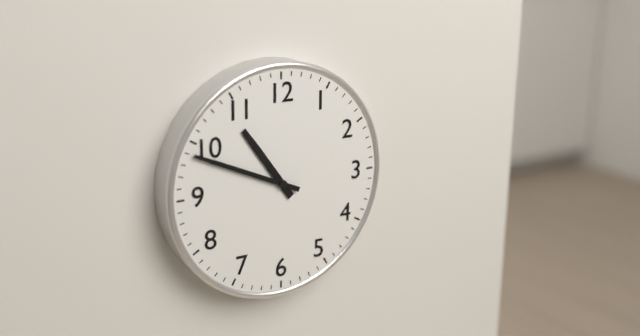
10 h 49 min
